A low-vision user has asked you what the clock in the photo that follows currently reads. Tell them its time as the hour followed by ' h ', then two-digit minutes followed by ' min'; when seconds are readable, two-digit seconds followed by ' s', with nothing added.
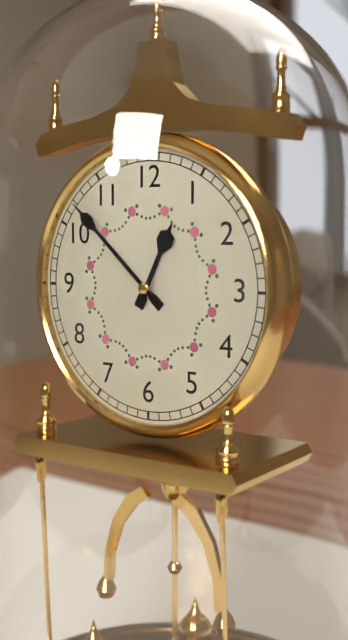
12 h 52 min
